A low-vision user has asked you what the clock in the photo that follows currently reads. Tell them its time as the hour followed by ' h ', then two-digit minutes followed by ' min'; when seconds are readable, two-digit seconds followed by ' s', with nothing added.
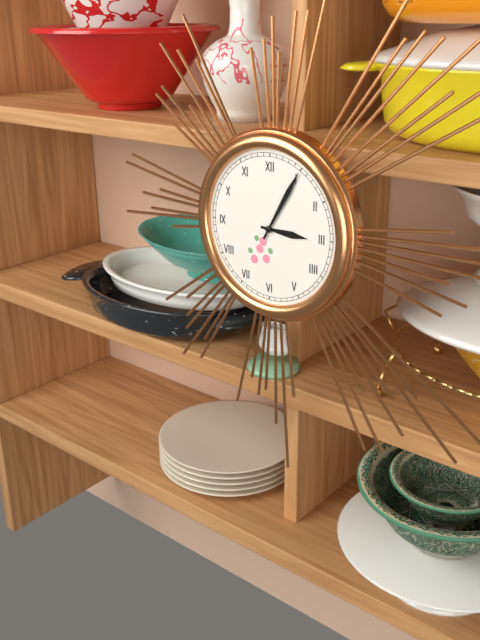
3 h 05 min
